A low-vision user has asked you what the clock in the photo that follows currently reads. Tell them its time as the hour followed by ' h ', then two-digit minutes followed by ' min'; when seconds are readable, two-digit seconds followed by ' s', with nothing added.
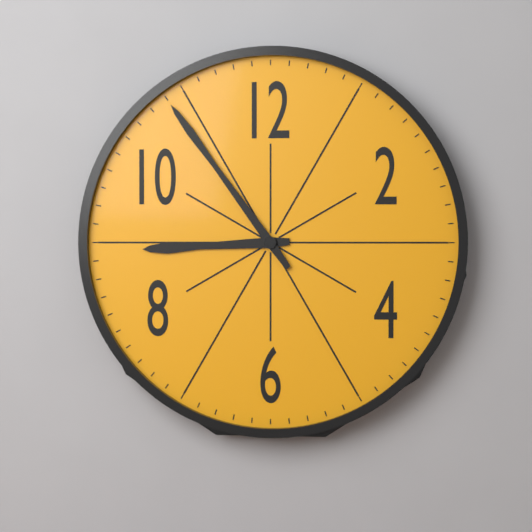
8 h 54 min
